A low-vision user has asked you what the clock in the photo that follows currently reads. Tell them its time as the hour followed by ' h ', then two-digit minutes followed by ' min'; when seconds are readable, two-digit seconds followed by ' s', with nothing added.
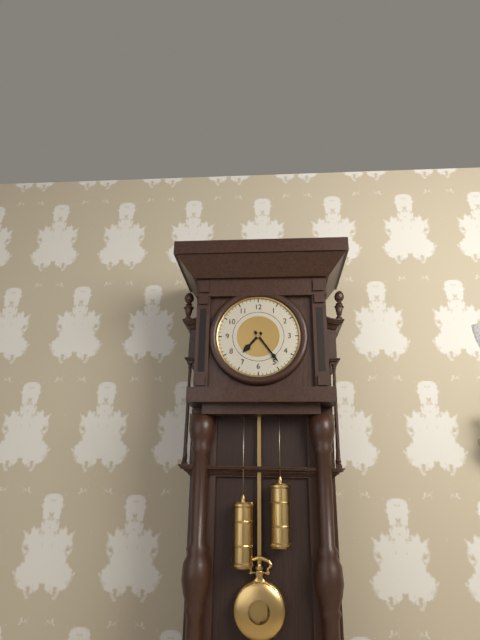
7 h 24 min
